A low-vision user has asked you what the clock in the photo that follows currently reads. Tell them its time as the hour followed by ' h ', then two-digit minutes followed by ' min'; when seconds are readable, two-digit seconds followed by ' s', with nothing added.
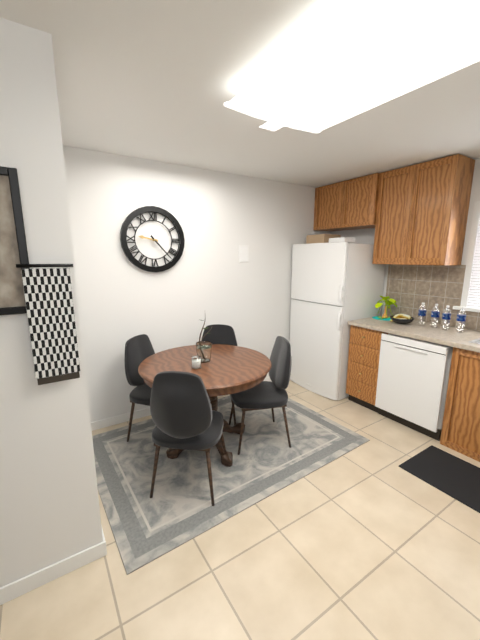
9 h 23 min
